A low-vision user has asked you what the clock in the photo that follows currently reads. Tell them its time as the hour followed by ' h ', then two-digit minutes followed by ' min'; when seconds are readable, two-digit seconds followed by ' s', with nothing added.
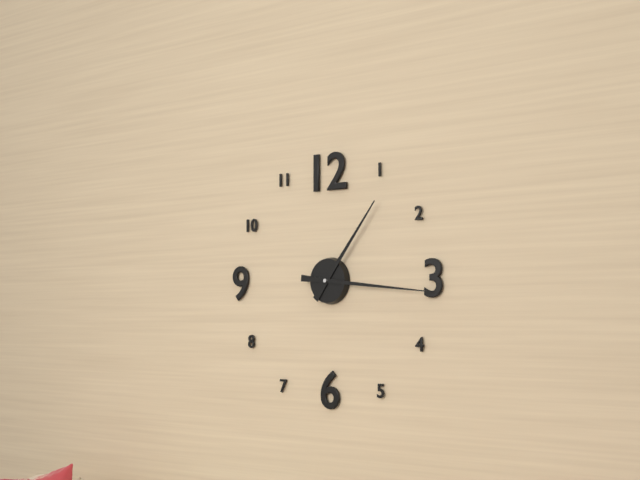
1 h 16 min
